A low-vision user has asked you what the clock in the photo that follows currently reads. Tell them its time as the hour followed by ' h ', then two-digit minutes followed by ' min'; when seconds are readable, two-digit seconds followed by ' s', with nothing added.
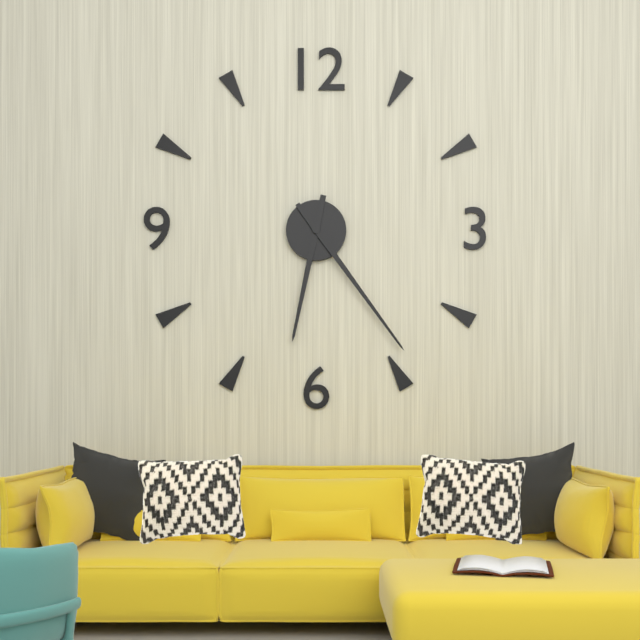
6 h 24 min
